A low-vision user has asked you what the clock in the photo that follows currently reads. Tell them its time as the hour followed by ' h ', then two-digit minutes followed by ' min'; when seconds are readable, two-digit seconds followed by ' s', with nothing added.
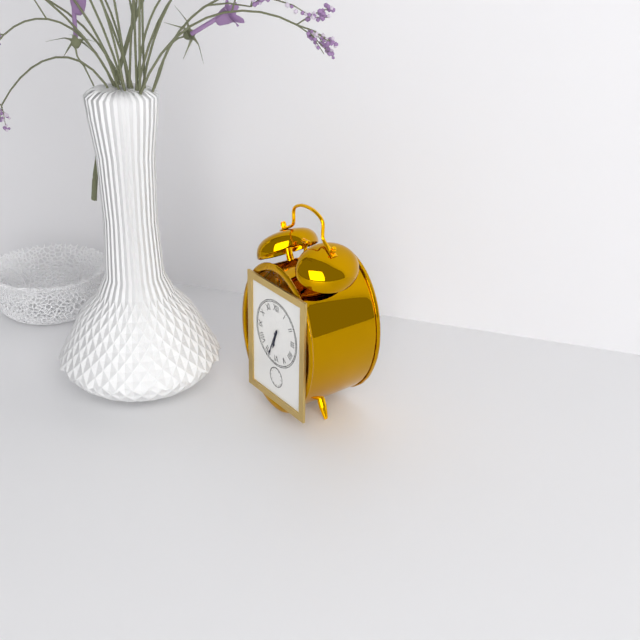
6 h 34 min
